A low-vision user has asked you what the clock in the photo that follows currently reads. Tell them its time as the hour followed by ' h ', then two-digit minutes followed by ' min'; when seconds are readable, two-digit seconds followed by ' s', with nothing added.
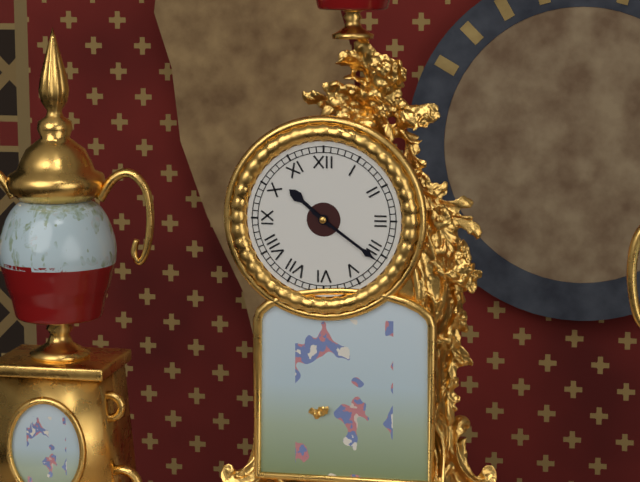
10 h 21 min
